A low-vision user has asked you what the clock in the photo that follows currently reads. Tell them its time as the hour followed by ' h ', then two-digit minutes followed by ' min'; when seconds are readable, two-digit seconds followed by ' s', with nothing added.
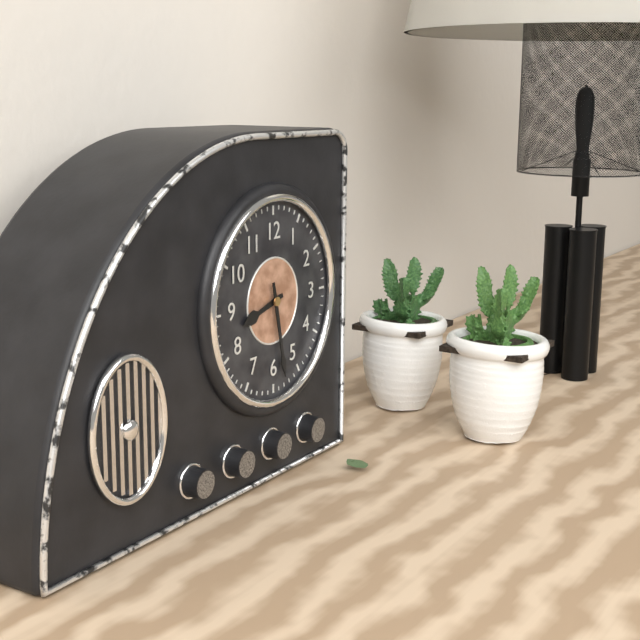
8 h 28 min
